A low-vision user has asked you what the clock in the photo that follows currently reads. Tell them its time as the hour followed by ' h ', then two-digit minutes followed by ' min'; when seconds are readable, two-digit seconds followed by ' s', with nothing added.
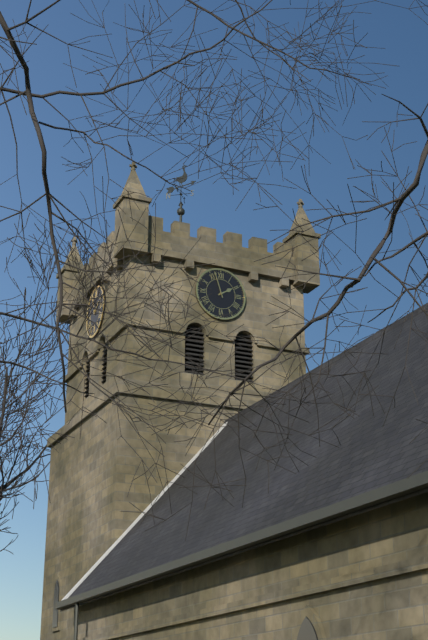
1 h 57 min
